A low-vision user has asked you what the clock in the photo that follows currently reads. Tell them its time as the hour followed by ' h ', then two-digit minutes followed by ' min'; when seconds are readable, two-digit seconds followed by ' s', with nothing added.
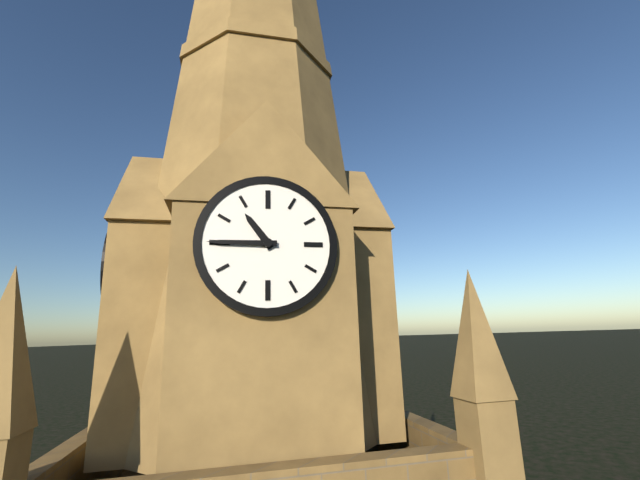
10 h 45 min
